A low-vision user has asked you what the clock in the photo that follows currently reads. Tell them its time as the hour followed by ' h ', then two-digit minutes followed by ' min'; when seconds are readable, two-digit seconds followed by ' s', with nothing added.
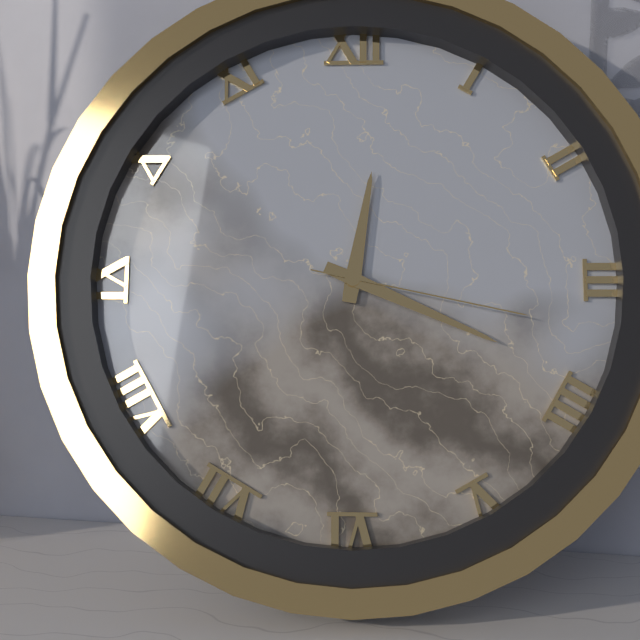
12 h 19 min 17 s
